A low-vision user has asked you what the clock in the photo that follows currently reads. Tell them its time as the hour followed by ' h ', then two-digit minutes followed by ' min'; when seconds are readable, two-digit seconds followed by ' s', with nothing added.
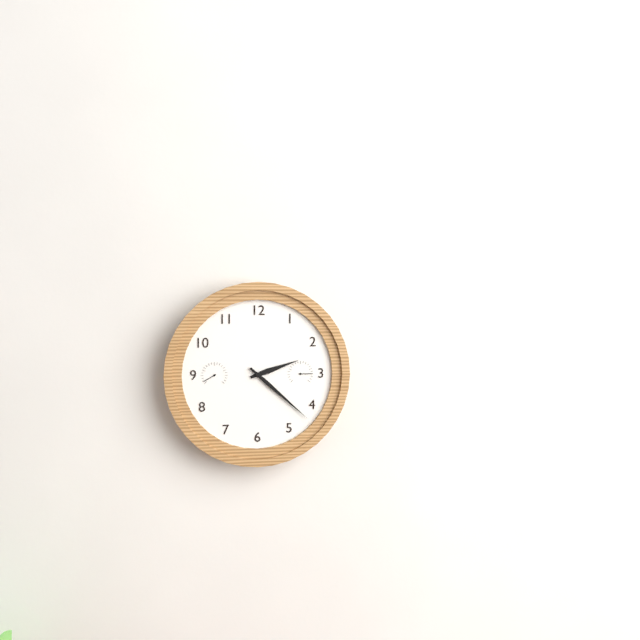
2 h 22 min
